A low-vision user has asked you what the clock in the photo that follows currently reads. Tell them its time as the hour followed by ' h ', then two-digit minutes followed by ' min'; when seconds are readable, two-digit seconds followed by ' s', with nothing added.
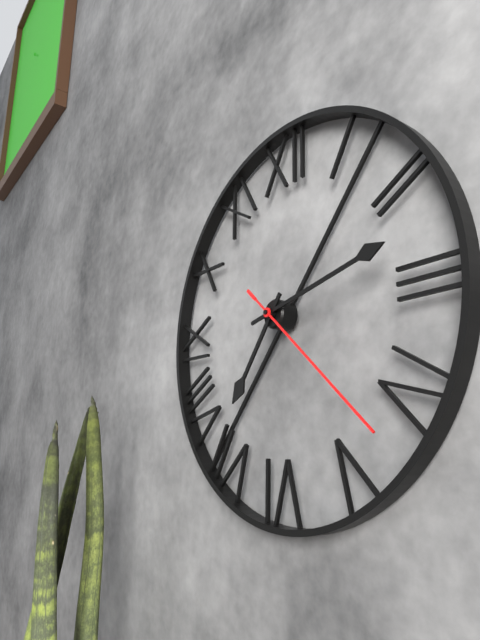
7 h 13 min 22 s
